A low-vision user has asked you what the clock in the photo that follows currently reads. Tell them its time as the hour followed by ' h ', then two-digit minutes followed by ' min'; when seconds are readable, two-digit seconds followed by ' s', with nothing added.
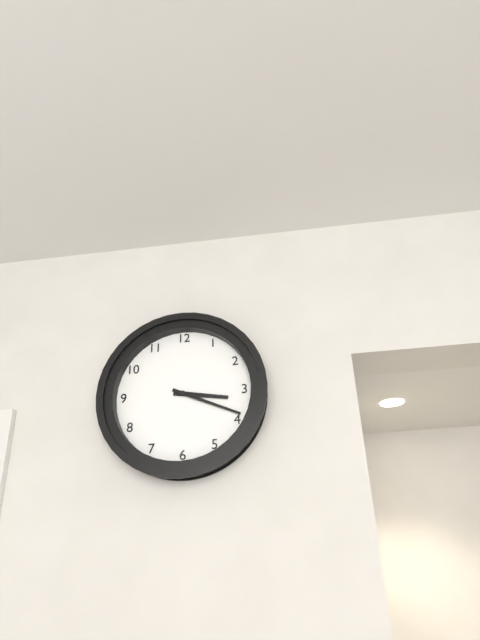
3 h 19 min
